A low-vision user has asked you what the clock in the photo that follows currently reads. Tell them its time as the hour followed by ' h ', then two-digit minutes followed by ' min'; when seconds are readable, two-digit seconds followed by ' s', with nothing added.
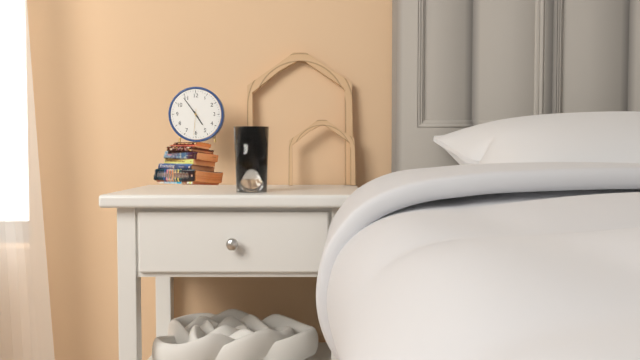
4 h 54 min
